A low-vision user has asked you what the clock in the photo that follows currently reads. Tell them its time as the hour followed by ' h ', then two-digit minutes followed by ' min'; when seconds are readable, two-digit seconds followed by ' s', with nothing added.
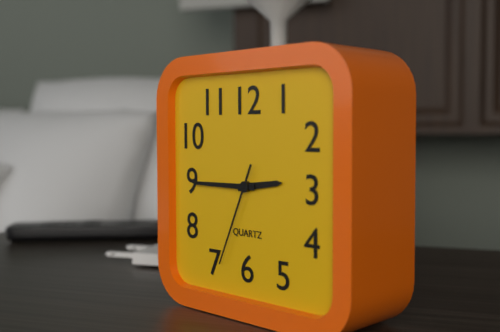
2 h 45 min 34 s
